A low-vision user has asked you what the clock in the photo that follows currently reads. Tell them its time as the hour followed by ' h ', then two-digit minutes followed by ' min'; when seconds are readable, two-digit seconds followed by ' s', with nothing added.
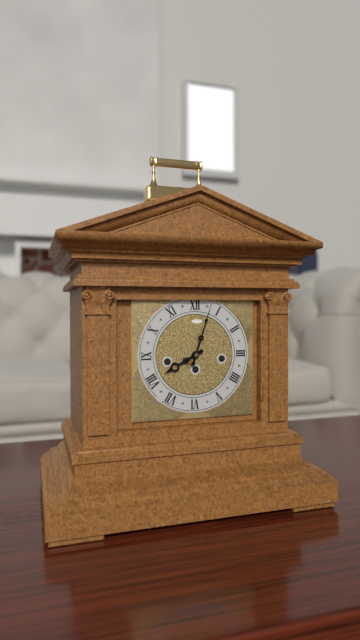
8 h 03 min
